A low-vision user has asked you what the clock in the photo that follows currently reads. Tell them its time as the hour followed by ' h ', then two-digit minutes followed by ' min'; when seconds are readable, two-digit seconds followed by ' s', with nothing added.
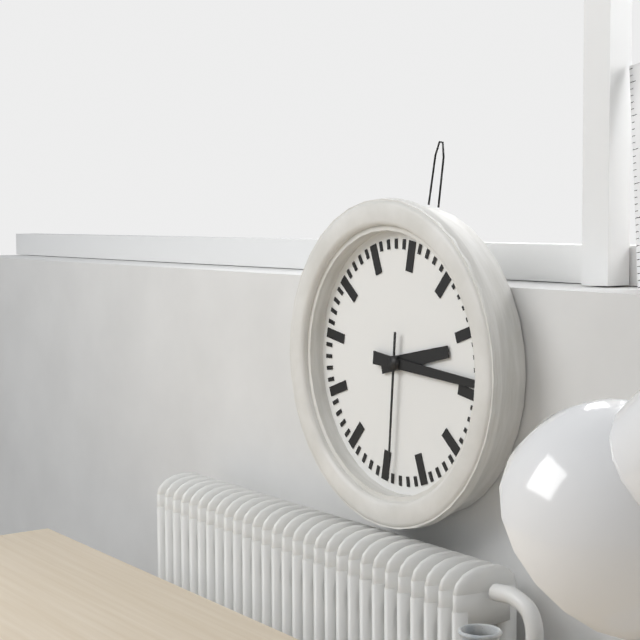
2 h 14 min 29 s
